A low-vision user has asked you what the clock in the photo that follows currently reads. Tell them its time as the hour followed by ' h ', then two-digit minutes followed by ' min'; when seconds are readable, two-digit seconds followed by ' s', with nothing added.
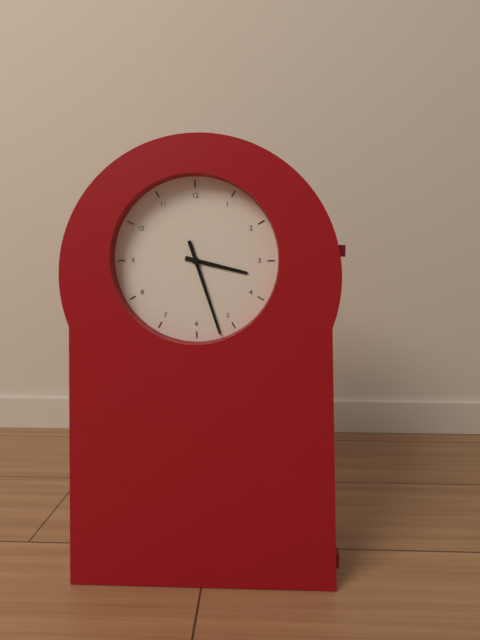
3 h 27 min
